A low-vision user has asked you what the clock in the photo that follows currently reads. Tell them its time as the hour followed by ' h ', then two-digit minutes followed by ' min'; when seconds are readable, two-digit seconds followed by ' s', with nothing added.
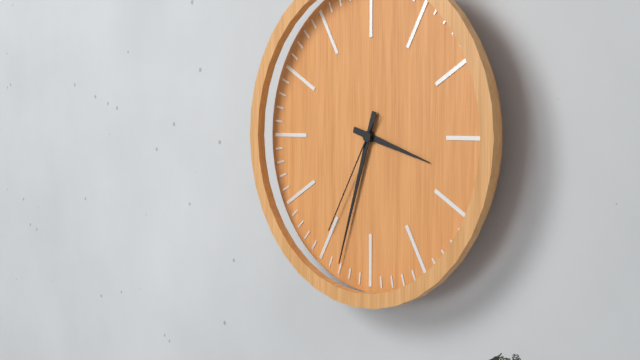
3 h 33 min 35 s
